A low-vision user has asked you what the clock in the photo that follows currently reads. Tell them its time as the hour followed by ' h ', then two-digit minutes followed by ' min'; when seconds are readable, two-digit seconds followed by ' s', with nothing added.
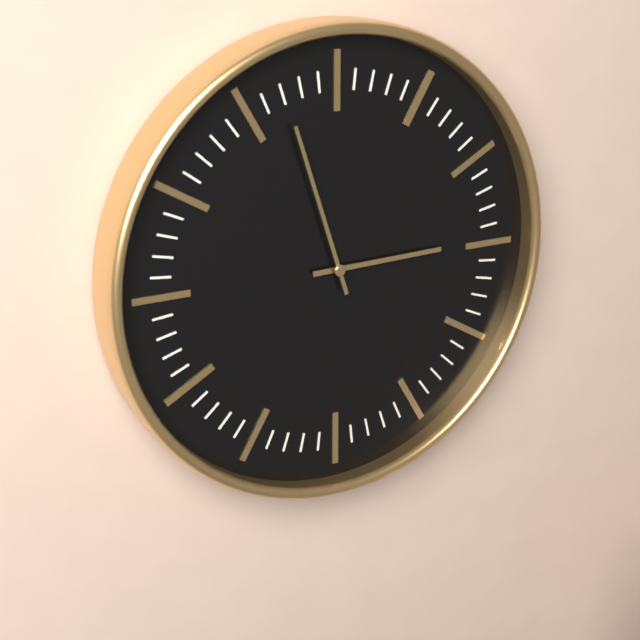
2 h 57 min
